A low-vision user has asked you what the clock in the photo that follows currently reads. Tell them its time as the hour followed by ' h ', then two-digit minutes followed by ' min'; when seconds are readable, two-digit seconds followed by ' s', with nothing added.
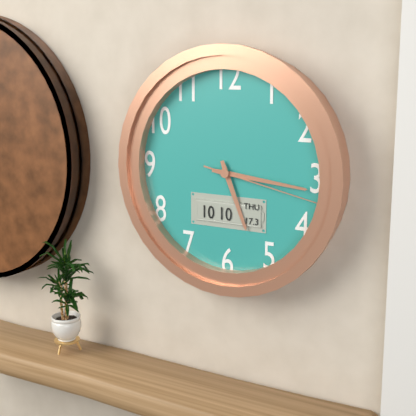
5 h 16 min 17 s
